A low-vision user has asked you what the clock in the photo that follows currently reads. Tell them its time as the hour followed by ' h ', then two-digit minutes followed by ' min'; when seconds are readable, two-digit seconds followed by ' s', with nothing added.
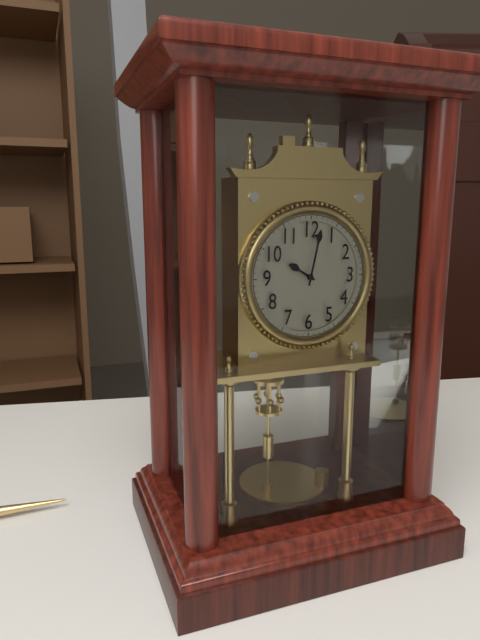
10 h 02 min
